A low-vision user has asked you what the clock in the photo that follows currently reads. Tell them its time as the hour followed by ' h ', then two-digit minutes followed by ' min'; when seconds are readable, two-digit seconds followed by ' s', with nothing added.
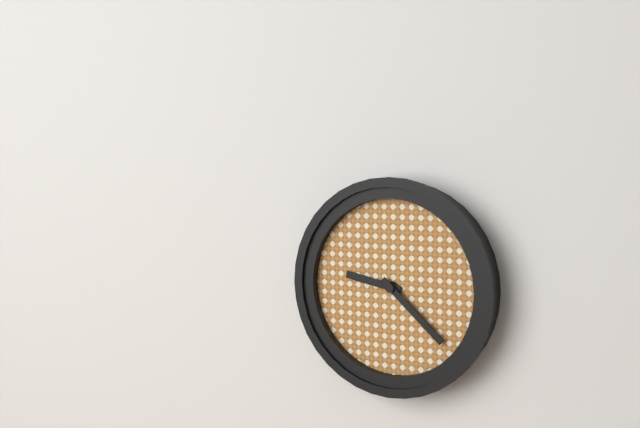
9 h 22 min
